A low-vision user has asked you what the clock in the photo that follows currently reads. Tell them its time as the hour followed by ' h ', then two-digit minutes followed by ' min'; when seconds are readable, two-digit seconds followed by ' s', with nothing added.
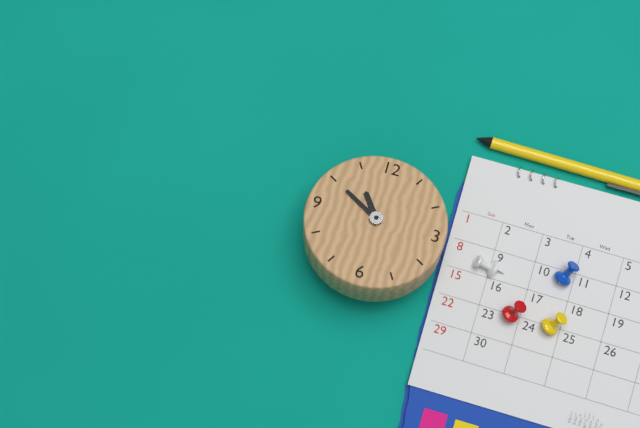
10 h 50 min
